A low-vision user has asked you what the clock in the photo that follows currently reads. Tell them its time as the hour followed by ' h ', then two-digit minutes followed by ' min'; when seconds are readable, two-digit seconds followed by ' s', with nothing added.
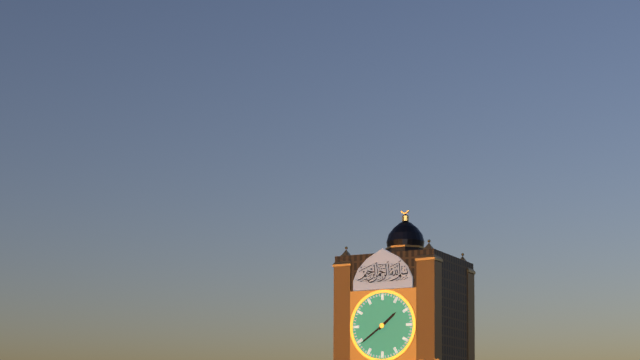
1 h 39 min
